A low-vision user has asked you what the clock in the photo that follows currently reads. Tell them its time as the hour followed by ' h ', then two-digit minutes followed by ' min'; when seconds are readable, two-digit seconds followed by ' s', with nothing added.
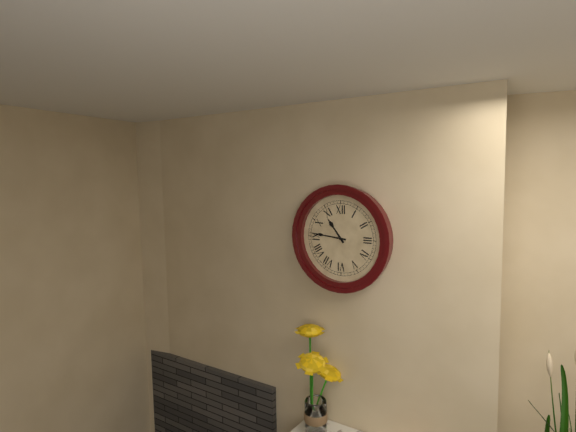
10 h 46 min
